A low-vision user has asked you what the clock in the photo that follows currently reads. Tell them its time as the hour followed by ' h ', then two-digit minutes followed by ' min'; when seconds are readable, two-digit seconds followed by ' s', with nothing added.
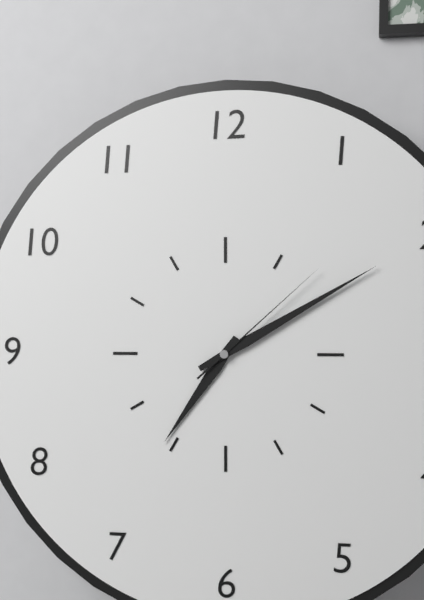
7 h 10 min 08 s
